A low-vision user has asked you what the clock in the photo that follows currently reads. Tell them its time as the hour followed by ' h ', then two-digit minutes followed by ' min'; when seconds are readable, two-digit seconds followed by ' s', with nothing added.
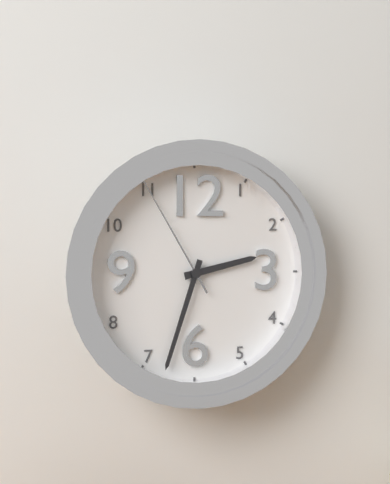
2 h 33 min 55 s
